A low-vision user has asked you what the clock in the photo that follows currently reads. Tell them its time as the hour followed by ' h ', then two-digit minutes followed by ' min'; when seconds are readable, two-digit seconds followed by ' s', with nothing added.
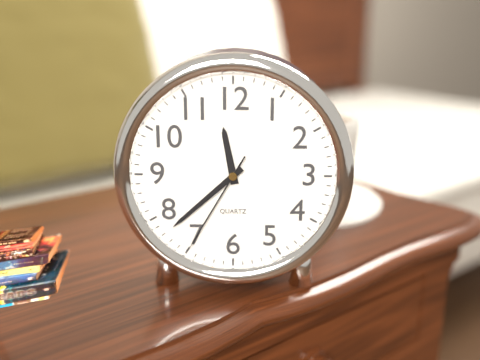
11 h 38 min 35 s
